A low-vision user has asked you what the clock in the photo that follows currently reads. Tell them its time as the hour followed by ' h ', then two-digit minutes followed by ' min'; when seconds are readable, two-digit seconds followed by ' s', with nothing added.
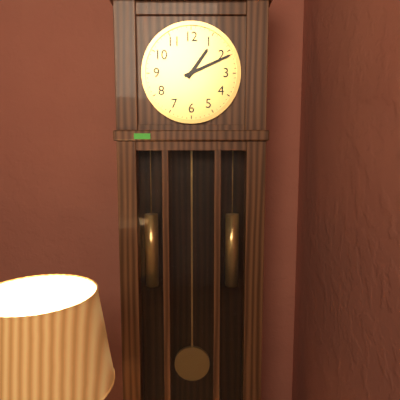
1 h 11 min
